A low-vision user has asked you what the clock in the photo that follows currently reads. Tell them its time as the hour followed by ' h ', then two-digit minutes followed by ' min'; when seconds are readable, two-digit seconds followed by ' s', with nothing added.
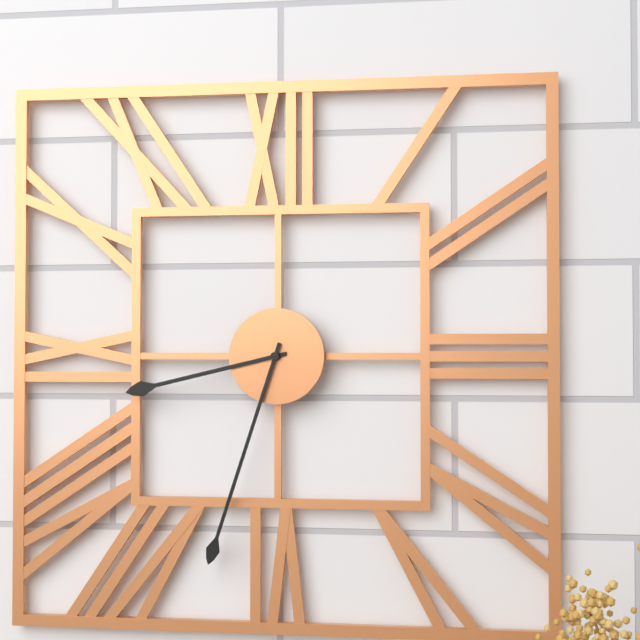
8 h 33 min
